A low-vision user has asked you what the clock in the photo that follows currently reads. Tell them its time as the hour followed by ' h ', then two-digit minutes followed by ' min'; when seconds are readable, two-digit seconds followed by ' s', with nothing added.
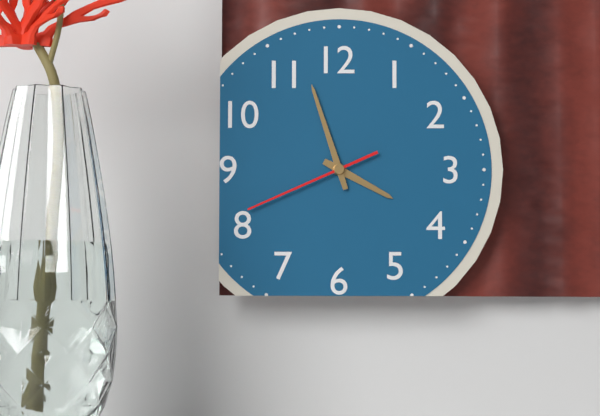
3 h 57 min 41 s
